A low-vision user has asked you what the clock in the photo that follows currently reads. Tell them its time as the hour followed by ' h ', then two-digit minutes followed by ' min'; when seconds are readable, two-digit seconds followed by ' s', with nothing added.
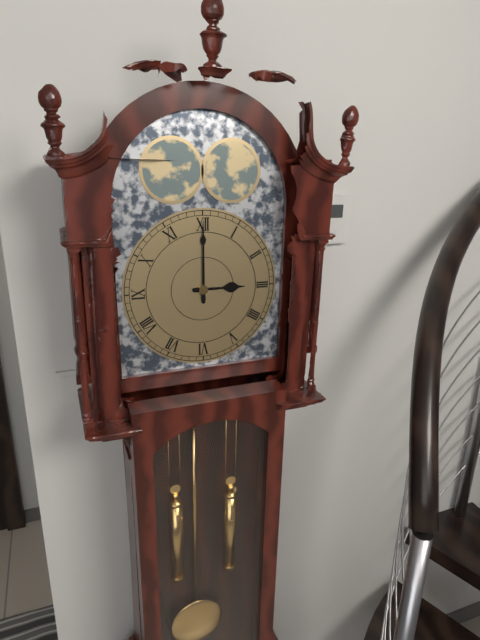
3 h 00 min
